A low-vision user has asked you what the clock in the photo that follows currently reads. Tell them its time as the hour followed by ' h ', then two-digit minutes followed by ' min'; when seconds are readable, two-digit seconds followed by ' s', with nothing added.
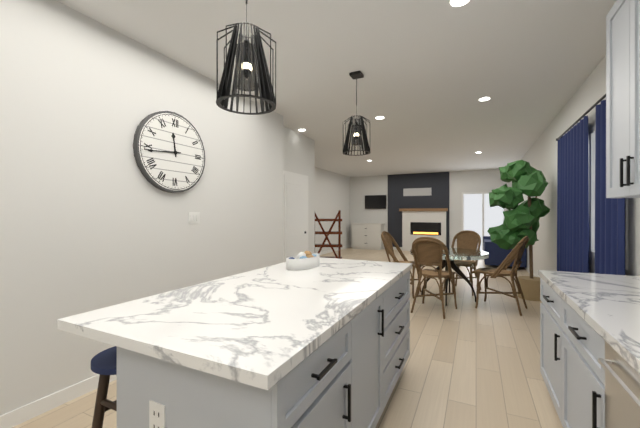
11 h 44 min
